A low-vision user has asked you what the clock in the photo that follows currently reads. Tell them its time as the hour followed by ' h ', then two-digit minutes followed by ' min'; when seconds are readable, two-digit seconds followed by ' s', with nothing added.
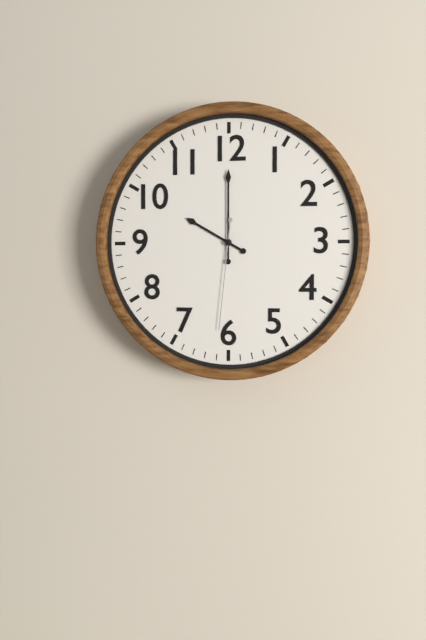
10 h 00 min 31 s
